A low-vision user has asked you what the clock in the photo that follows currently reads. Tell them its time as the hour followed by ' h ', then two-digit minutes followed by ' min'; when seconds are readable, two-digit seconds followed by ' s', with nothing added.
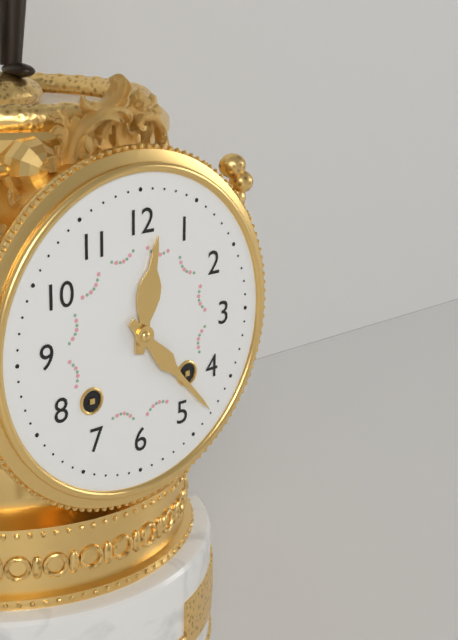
12 h 23 min
